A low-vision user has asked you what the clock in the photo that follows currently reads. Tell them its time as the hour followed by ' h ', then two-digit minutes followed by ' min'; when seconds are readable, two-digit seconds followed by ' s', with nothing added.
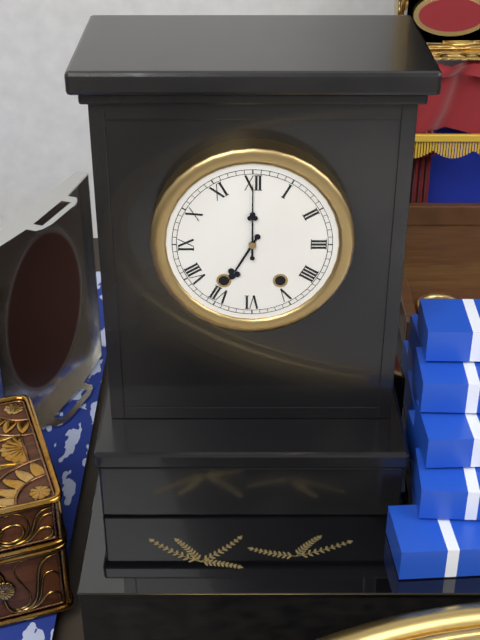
7 h 00 min
